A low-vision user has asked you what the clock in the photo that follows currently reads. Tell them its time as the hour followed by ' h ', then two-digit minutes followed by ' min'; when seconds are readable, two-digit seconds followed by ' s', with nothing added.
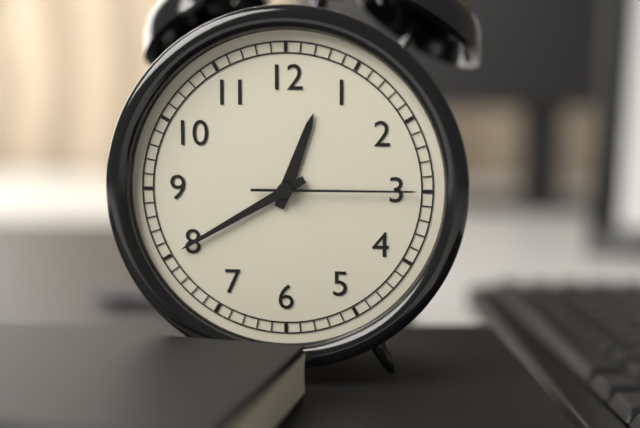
12 h 40 min 15 s
